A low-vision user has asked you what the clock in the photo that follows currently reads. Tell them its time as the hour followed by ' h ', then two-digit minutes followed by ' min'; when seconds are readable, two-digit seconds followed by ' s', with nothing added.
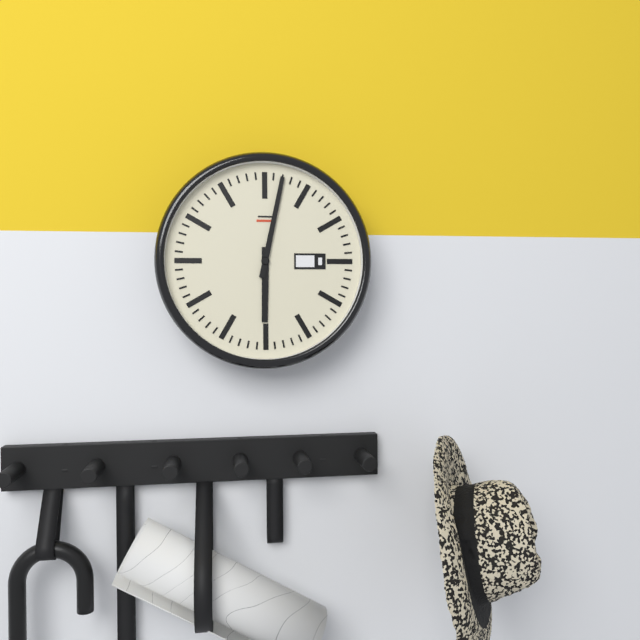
6 h 02 min
